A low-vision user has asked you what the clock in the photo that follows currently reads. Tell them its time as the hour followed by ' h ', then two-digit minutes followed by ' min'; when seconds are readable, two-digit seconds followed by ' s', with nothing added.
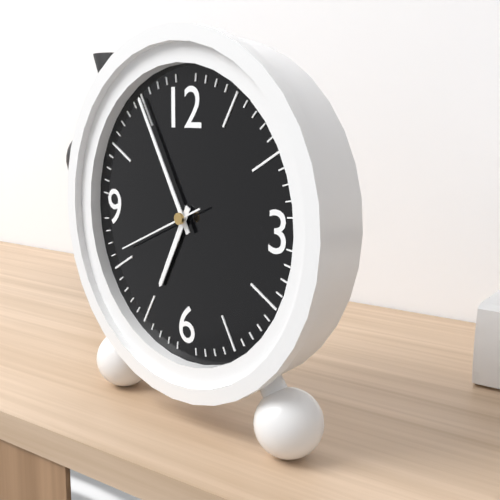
6 h 55 min 41 s
